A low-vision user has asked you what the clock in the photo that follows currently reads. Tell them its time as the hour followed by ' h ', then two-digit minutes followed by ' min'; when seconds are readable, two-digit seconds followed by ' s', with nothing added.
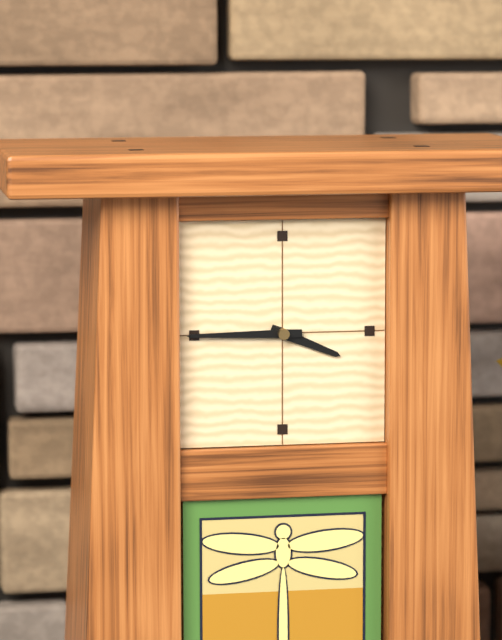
3 h 45 min
